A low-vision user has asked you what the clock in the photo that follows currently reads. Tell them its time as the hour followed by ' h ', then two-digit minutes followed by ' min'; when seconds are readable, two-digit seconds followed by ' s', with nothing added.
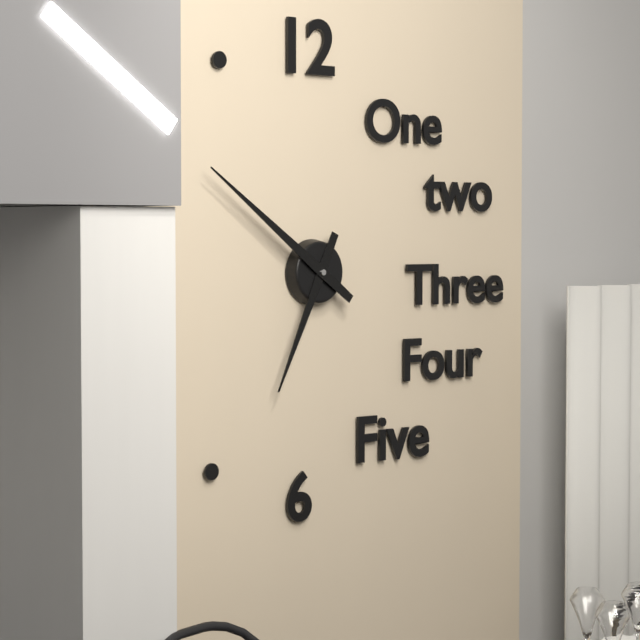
6 h 51 min
